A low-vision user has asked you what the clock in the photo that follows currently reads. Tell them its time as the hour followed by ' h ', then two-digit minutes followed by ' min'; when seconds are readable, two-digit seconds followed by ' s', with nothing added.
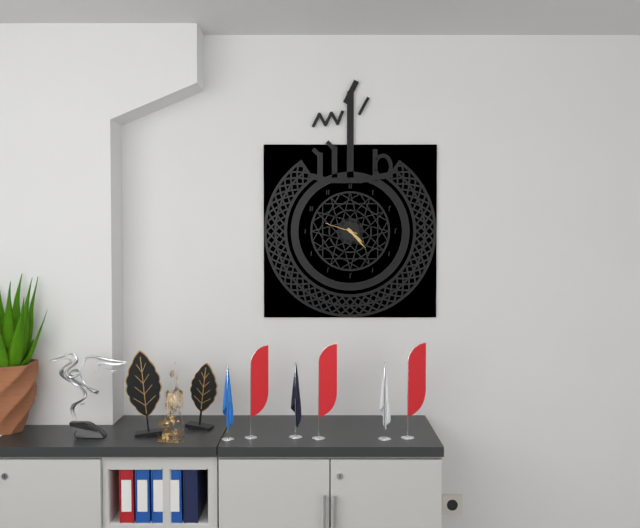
4 h 23 min
